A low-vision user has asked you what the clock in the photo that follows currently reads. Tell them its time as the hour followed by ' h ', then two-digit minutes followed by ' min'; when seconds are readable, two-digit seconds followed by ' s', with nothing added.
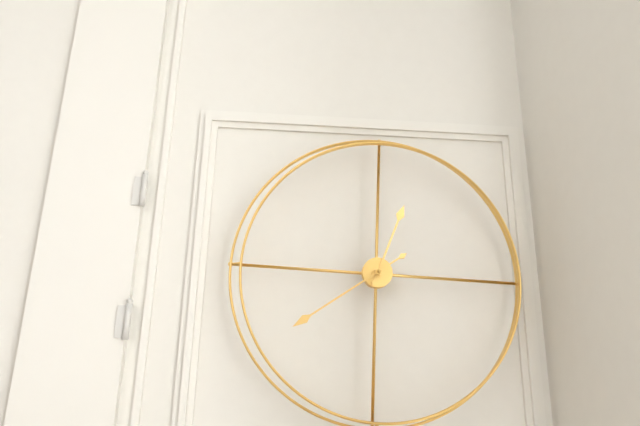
12 h 39 min
